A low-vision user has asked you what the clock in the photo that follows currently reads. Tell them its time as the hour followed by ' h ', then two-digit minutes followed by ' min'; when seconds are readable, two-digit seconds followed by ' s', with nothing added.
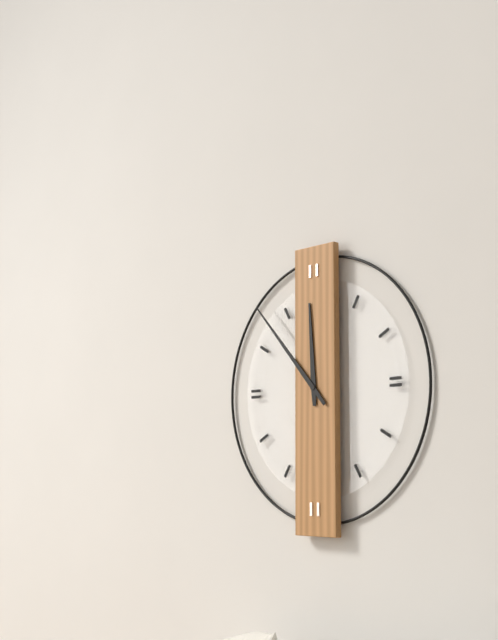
11 h 53 min
